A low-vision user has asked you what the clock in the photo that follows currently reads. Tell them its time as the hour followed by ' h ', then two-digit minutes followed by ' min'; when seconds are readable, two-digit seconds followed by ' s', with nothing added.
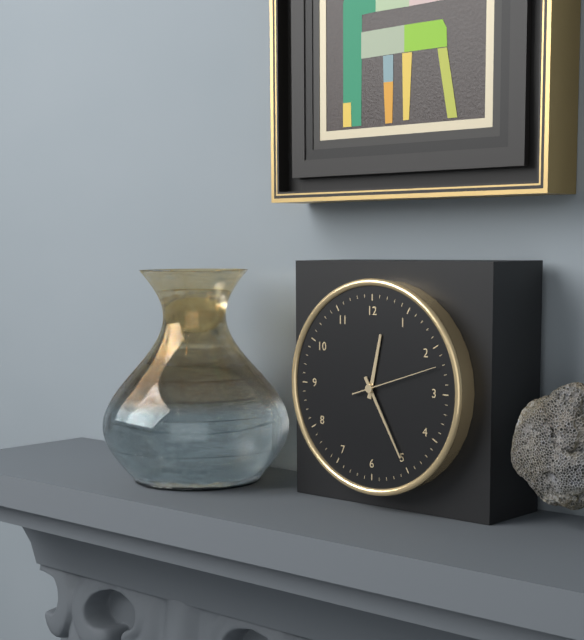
12 h 25 min 12 s
